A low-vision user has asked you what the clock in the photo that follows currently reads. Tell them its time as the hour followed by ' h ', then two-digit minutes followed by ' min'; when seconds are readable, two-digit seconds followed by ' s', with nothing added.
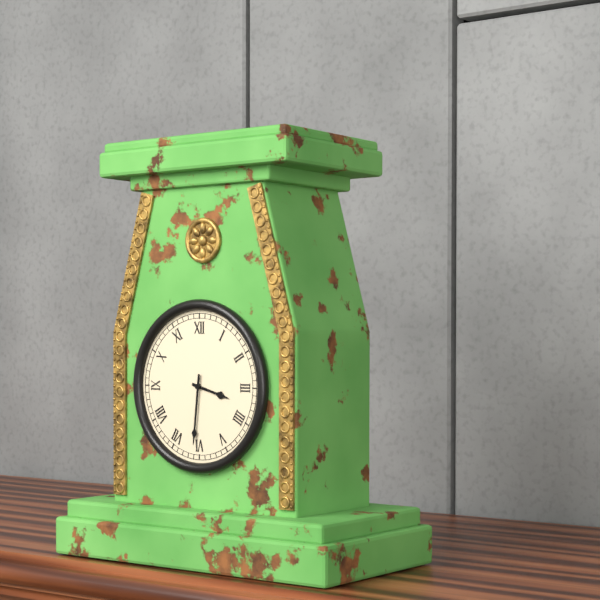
3 h 31 min
